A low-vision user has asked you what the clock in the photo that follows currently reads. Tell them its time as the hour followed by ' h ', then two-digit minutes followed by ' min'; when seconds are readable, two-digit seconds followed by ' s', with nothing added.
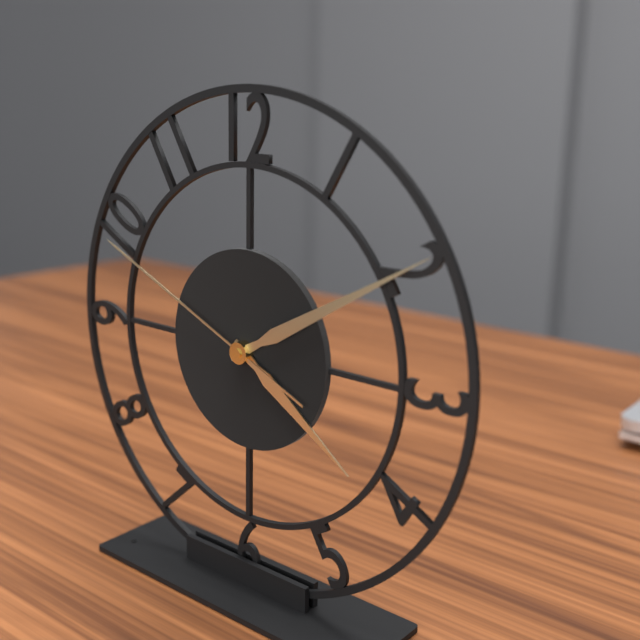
4 h 10 min 49 s
